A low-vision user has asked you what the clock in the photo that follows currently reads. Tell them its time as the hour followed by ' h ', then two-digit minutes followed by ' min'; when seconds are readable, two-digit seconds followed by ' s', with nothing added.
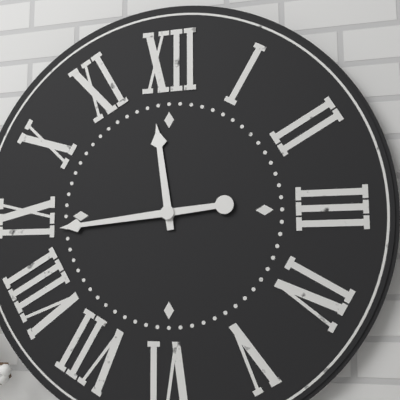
11 h 44 min
